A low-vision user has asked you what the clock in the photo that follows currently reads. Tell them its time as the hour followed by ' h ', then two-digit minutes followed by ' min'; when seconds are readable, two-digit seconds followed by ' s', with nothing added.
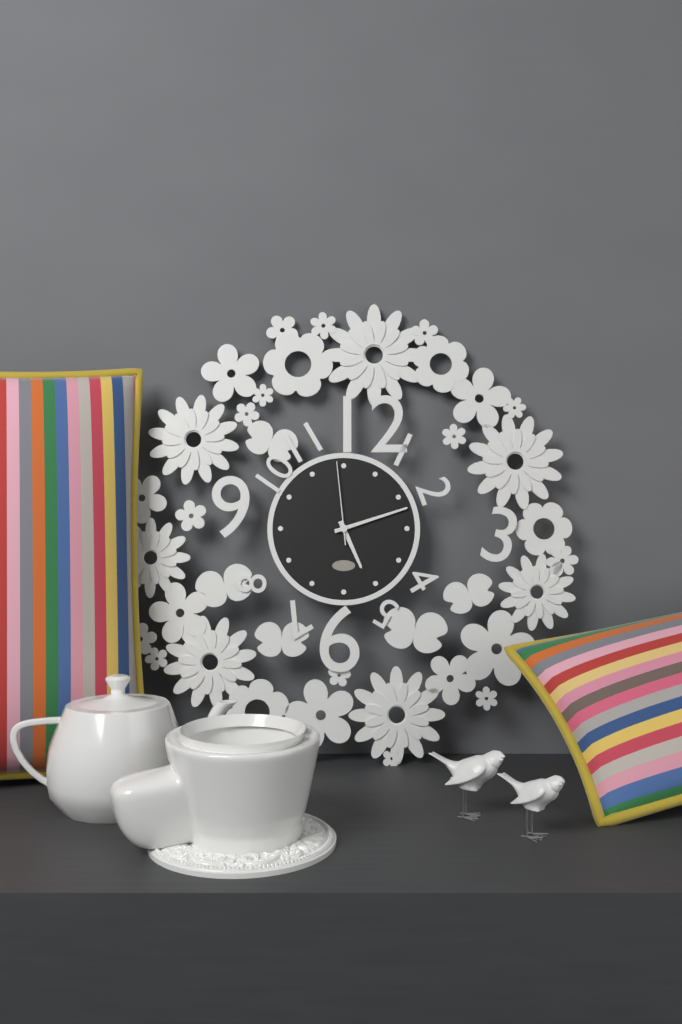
5 h 12 min 59 s
